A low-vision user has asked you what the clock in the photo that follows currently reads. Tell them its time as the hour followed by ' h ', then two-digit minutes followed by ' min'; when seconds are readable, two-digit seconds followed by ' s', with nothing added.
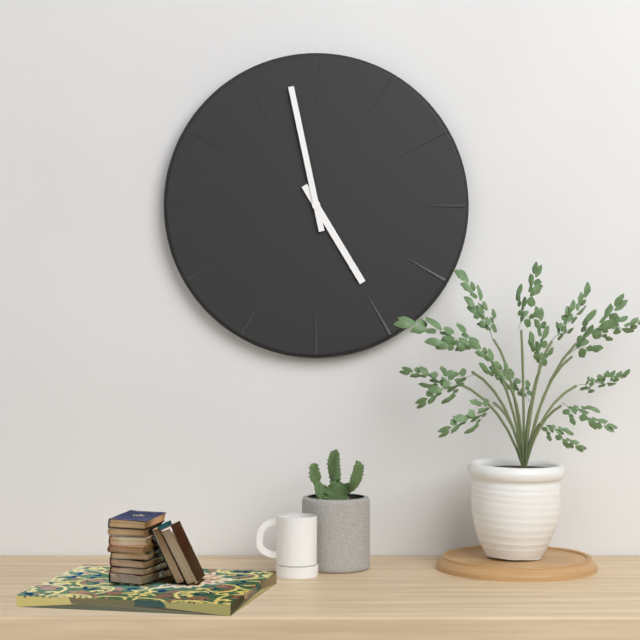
4 h 58 min
